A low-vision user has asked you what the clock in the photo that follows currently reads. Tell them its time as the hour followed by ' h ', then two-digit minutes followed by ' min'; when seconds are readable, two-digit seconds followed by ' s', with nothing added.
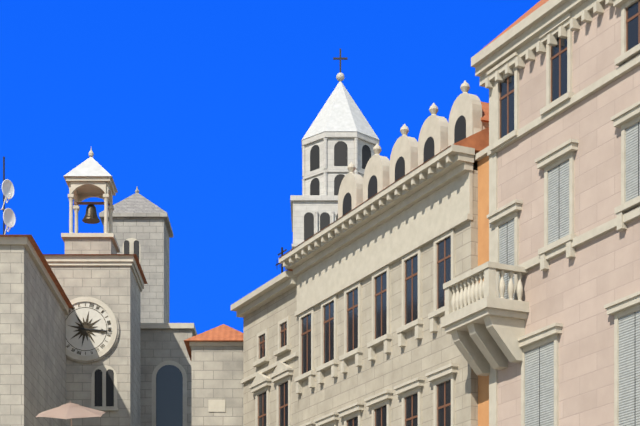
3 h 16 min
